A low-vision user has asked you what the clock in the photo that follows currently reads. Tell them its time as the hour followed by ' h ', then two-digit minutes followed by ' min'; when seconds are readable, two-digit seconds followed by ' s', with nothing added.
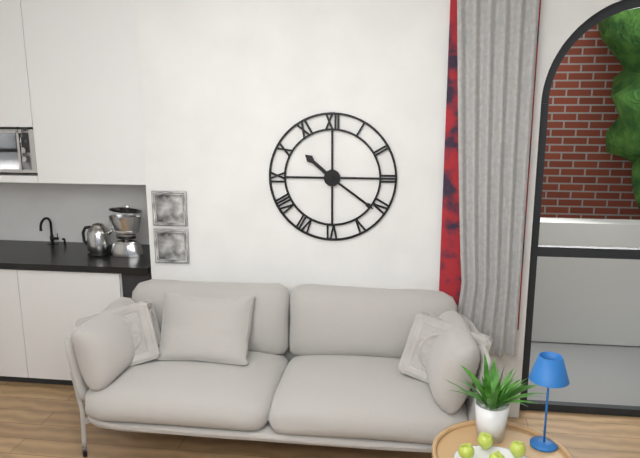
10 h 21 min
